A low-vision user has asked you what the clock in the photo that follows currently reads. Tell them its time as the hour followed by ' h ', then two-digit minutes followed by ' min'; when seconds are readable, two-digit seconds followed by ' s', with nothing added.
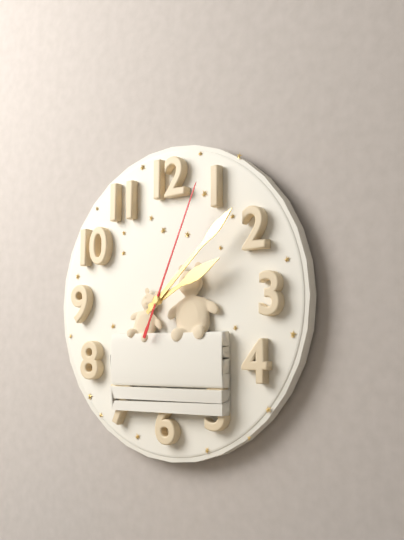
2 h 08 min 04 s
